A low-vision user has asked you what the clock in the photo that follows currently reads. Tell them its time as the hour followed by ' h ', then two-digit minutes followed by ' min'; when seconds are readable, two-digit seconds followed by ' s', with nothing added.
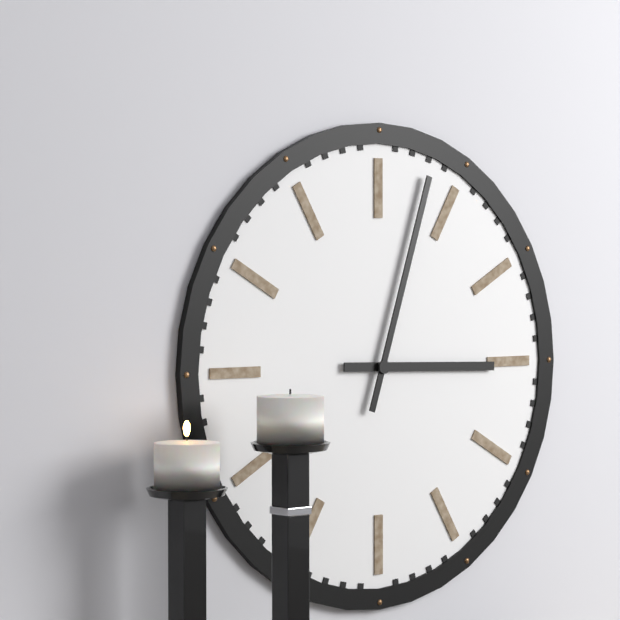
3 h 03 min
